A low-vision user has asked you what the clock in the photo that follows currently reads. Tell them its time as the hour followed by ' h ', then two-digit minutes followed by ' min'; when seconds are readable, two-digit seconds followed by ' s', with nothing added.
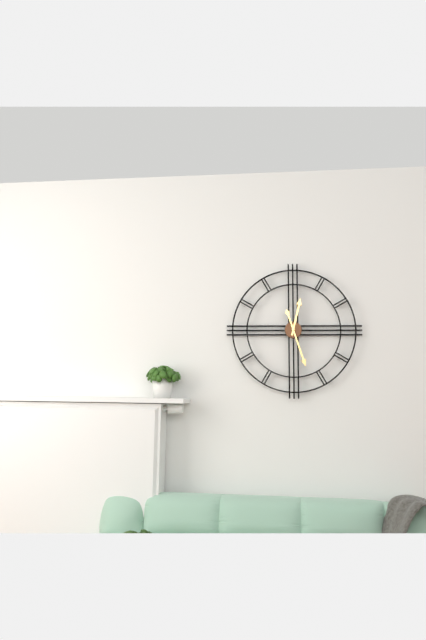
12 h 27 min
